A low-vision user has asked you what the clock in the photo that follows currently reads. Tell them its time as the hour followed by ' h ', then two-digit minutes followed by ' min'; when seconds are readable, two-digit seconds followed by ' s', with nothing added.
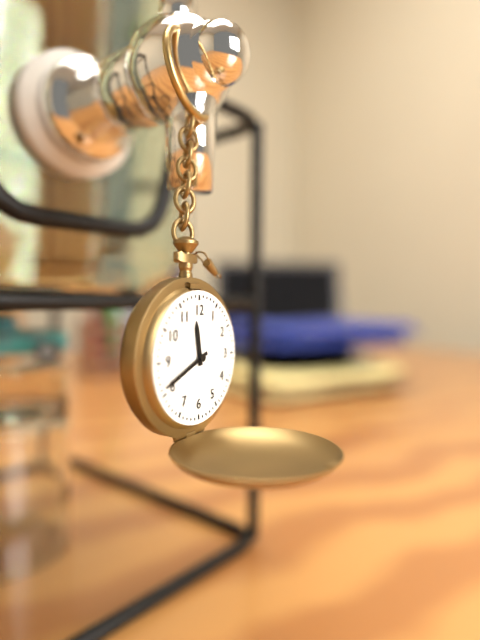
11 h 41 min
